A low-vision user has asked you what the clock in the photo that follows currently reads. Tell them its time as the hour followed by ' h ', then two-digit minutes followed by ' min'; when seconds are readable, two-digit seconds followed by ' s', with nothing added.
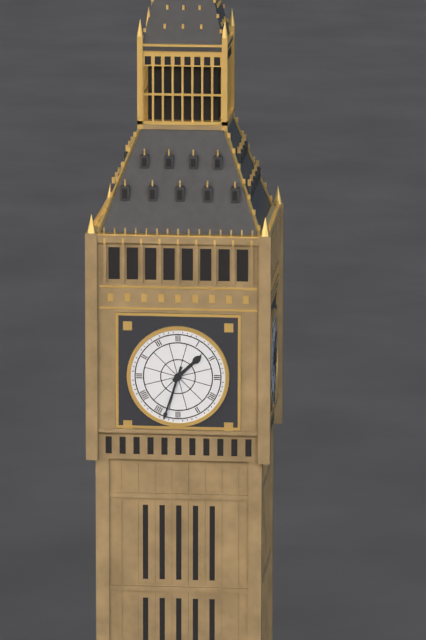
1 h 33 min
